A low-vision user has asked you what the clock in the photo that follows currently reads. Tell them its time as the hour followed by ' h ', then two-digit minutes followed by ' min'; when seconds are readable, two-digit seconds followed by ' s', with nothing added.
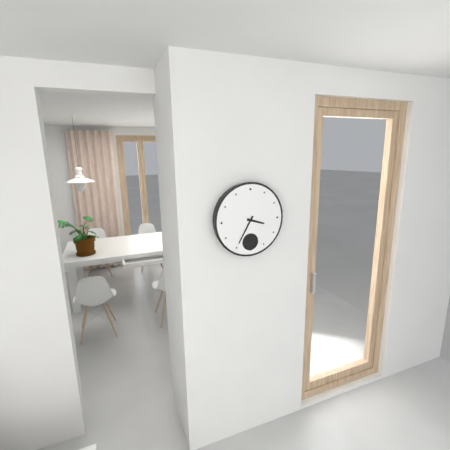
3 h 35 min
